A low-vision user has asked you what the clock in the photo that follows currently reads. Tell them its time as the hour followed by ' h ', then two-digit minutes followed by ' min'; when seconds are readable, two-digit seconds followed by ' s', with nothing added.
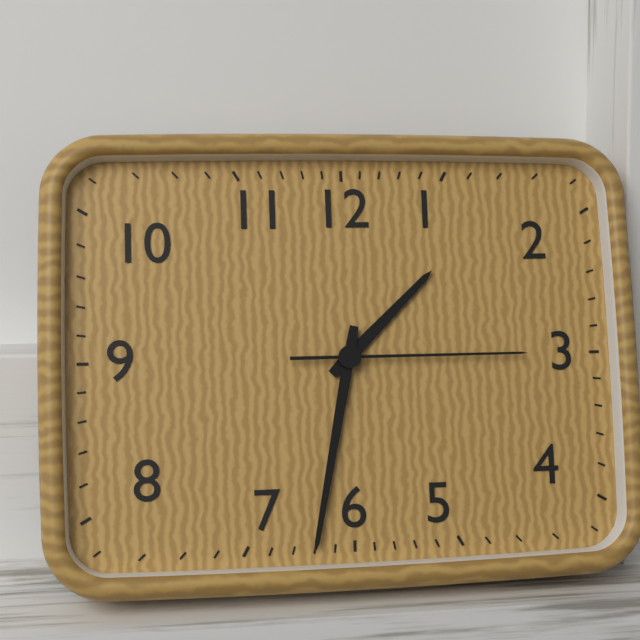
1 h 32 min 15 s
